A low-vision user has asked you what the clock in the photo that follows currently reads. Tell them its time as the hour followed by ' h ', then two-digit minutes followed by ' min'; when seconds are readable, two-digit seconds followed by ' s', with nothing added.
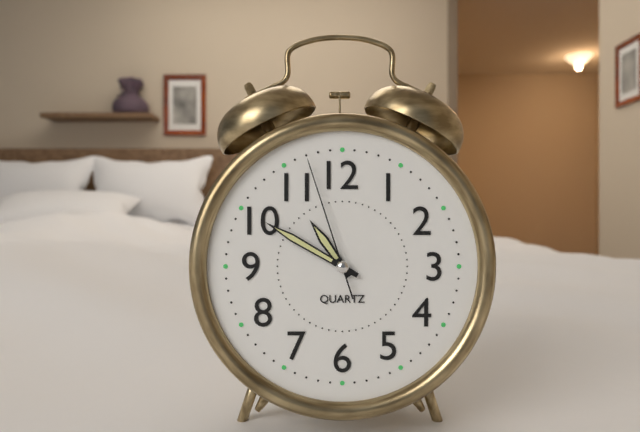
10 h 50 min 57 s
